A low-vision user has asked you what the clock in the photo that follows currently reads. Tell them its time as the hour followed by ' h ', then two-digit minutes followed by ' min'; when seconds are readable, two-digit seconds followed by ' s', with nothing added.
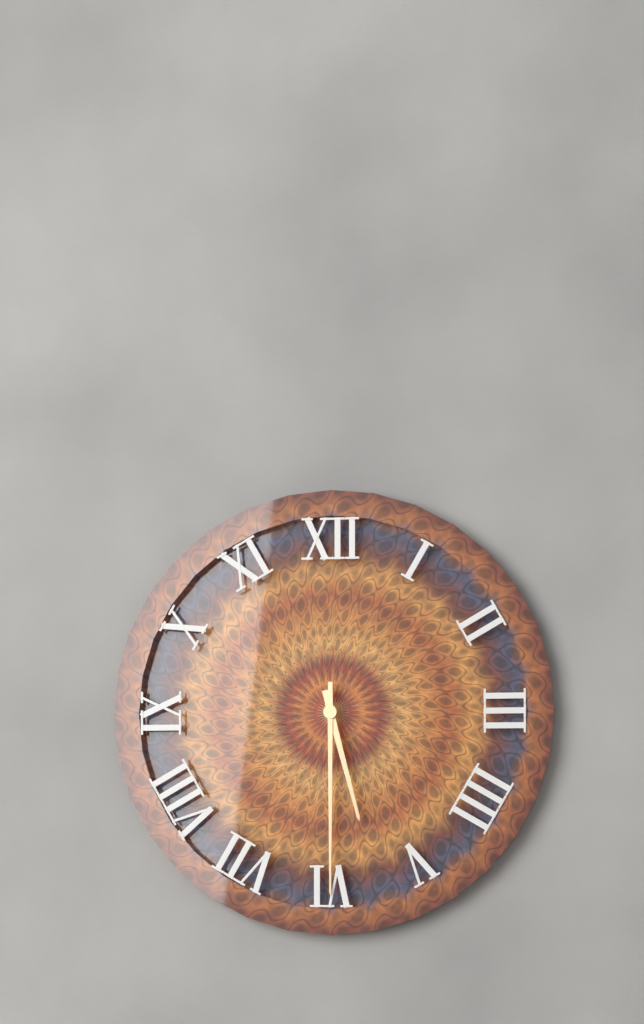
5 h 30 min
